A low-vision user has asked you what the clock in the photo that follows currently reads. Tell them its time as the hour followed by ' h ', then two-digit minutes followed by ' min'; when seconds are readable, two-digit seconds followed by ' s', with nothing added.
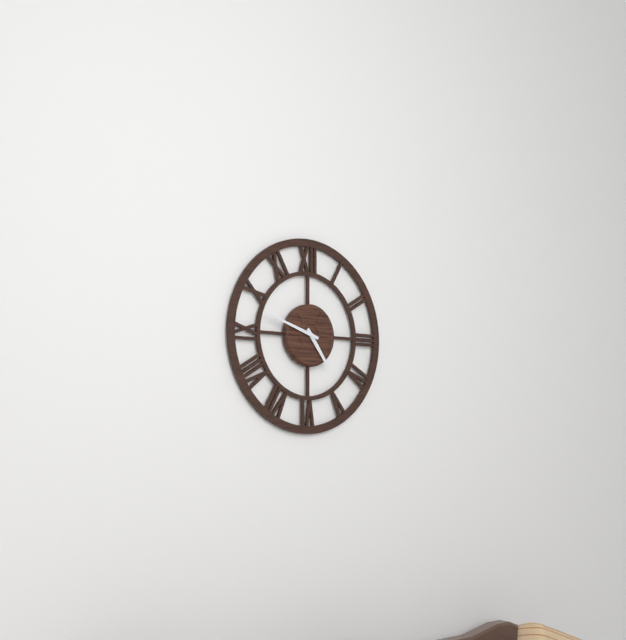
4 h 48 min
